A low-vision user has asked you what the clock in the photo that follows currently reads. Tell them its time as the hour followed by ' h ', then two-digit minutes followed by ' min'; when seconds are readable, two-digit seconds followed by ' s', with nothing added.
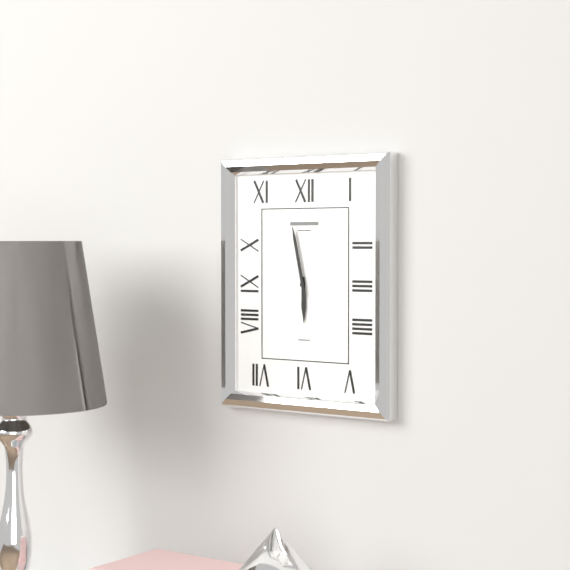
5 h 58 min
